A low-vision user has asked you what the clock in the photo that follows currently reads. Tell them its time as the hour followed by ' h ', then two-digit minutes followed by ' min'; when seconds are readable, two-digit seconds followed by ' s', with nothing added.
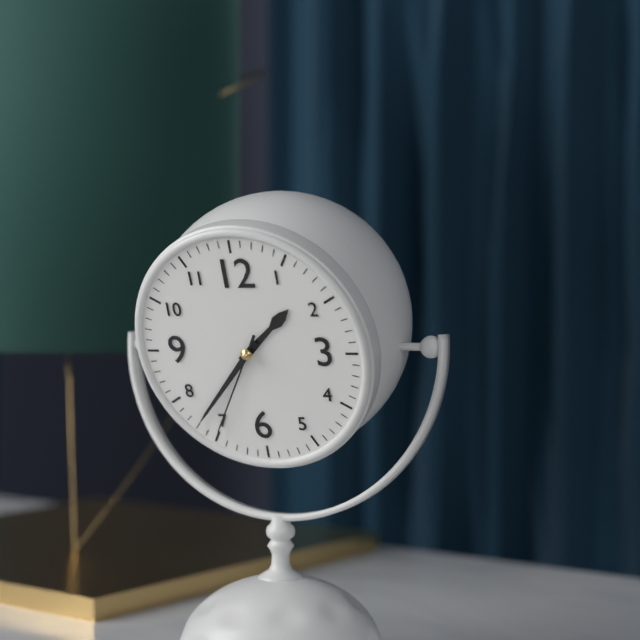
1 h 37 min 35 s
